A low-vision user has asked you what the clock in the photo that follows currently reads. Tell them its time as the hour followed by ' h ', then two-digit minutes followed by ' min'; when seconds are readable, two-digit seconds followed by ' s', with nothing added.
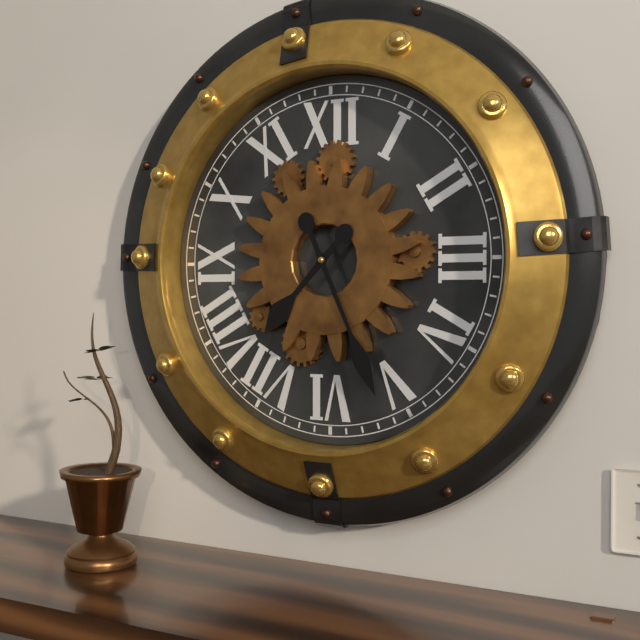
7 h 26 min
